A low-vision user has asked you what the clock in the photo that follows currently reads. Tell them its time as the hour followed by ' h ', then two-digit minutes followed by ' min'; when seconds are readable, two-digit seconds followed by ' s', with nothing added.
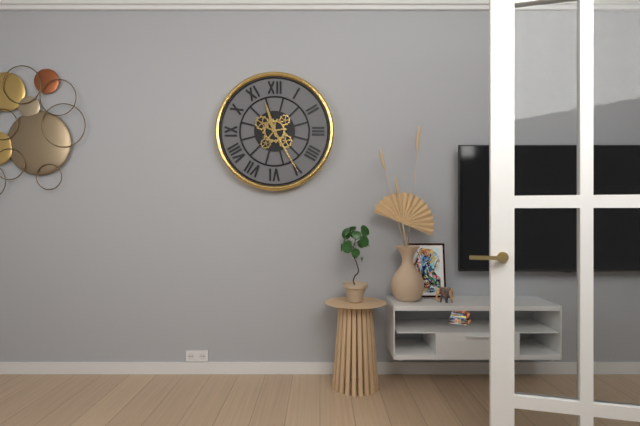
11 h 25 min
